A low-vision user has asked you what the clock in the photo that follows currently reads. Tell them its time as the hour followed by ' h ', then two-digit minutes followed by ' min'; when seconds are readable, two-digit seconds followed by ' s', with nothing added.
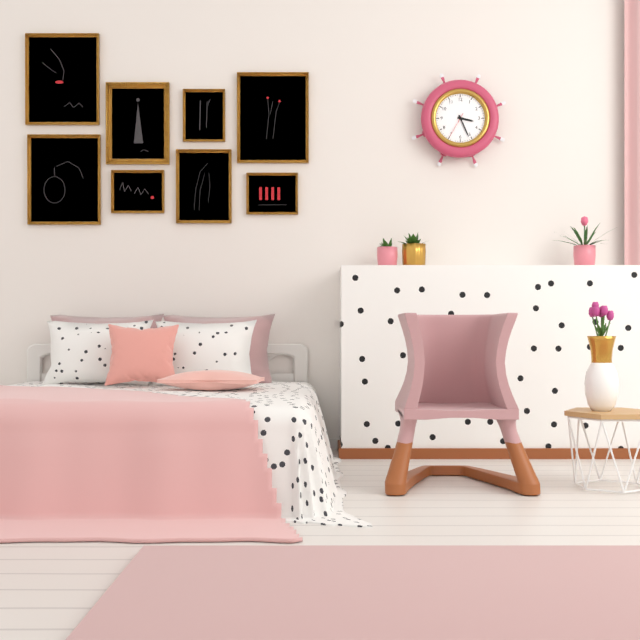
3 h 26 min
